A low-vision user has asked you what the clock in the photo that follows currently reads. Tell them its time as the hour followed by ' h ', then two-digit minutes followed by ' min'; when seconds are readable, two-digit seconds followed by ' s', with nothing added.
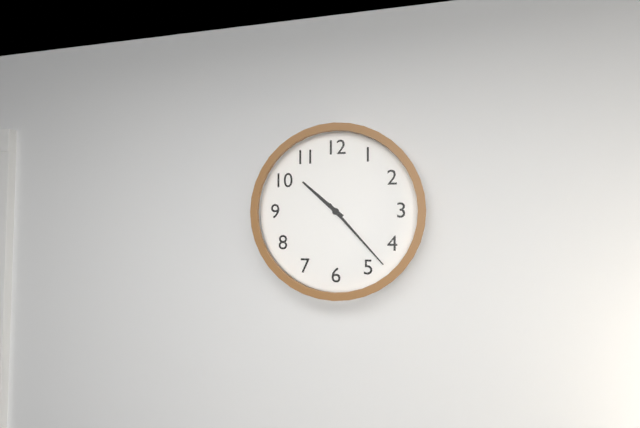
10 h 23 min
